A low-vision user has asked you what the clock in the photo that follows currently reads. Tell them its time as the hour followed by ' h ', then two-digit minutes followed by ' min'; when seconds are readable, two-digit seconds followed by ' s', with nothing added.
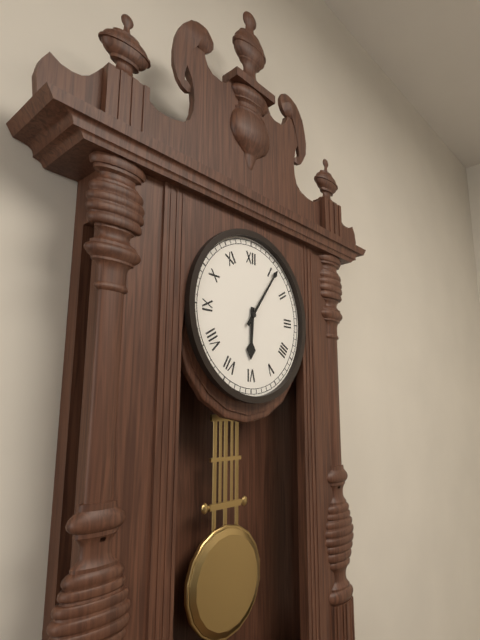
6 h 06 min
